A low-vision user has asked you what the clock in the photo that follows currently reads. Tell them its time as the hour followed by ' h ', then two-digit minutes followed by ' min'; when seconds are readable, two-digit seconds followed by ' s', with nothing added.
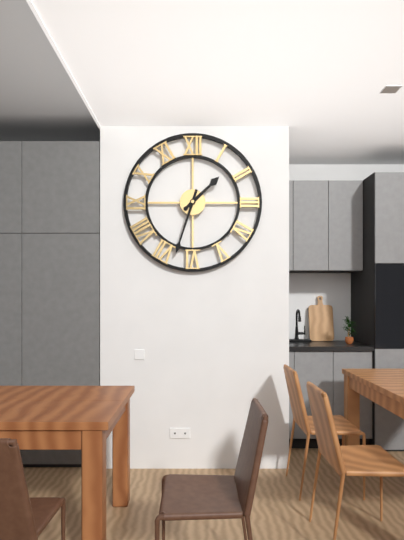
1 h 33 min
